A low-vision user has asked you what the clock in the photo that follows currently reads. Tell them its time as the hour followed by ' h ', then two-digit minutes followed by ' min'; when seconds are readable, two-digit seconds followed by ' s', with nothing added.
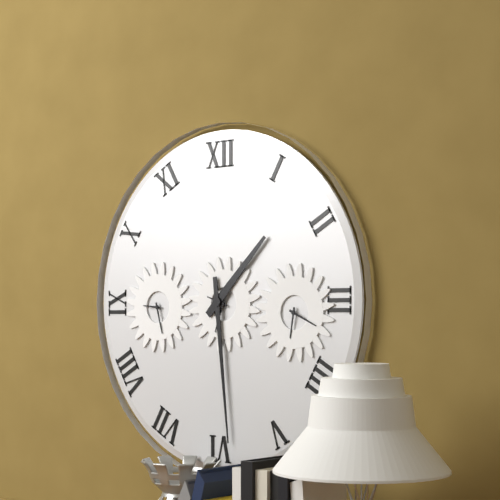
1 h 29 min
